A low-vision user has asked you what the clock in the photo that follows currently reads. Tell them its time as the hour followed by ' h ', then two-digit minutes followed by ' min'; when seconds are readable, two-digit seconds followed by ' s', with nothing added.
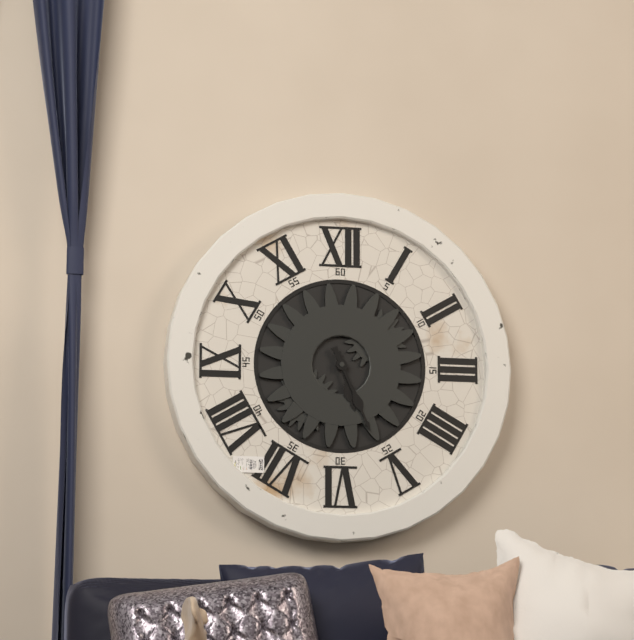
5 h 26 min
